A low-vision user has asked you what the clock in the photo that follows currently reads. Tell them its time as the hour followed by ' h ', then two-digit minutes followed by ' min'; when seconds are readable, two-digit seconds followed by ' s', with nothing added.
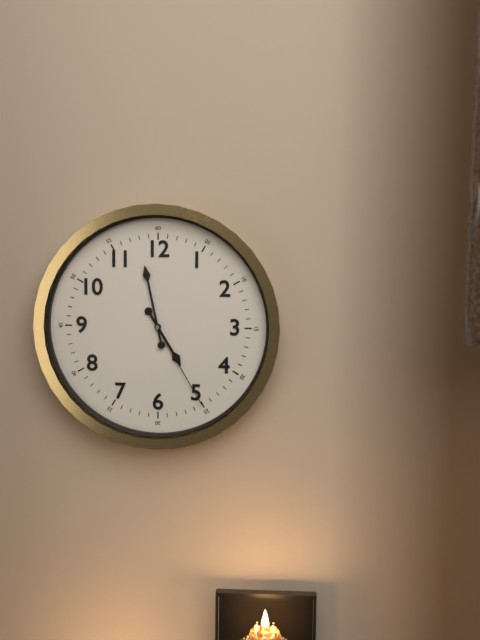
4 h 58 min 25 s
